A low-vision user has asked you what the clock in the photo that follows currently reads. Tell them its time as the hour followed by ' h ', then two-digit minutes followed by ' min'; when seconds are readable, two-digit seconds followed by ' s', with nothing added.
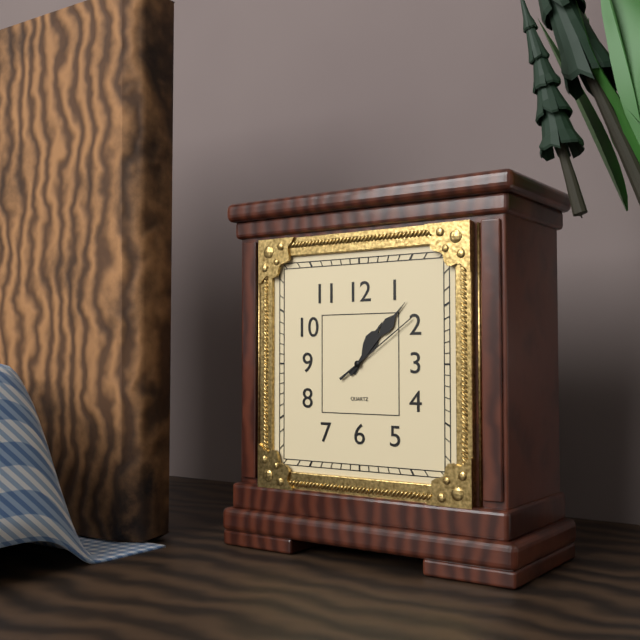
1 h 07 min 09 s
